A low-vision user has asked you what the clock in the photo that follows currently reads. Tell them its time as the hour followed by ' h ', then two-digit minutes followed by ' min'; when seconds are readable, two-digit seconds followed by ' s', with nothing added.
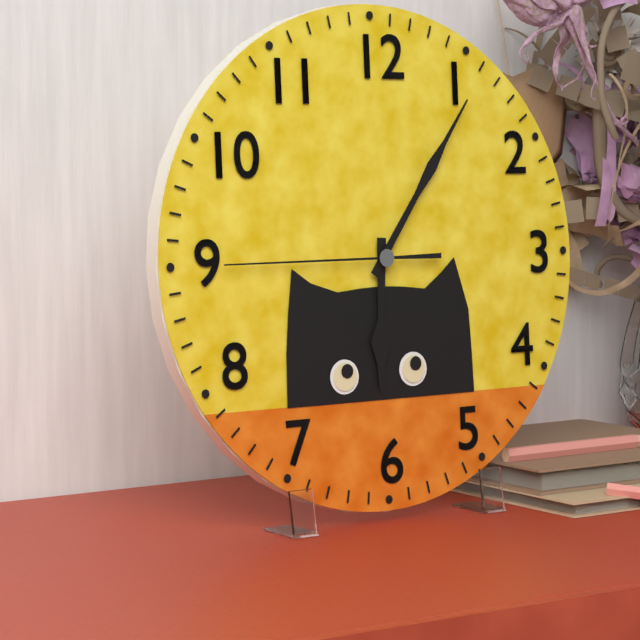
6 h 06 min 45 s
